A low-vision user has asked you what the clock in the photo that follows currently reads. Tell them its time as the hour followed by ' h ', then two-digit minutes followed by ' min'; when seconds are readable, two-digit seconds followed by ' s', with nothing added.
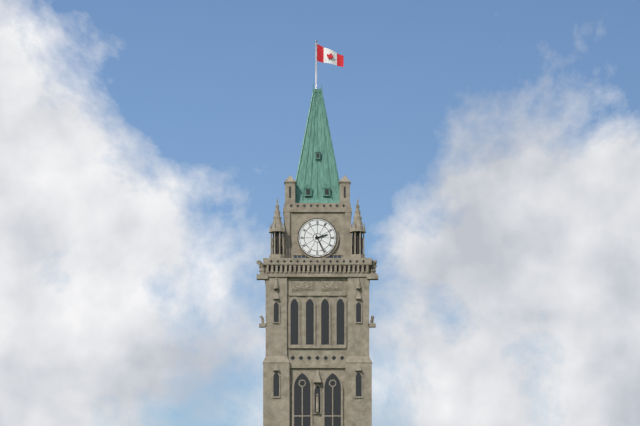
2 h 26 min
